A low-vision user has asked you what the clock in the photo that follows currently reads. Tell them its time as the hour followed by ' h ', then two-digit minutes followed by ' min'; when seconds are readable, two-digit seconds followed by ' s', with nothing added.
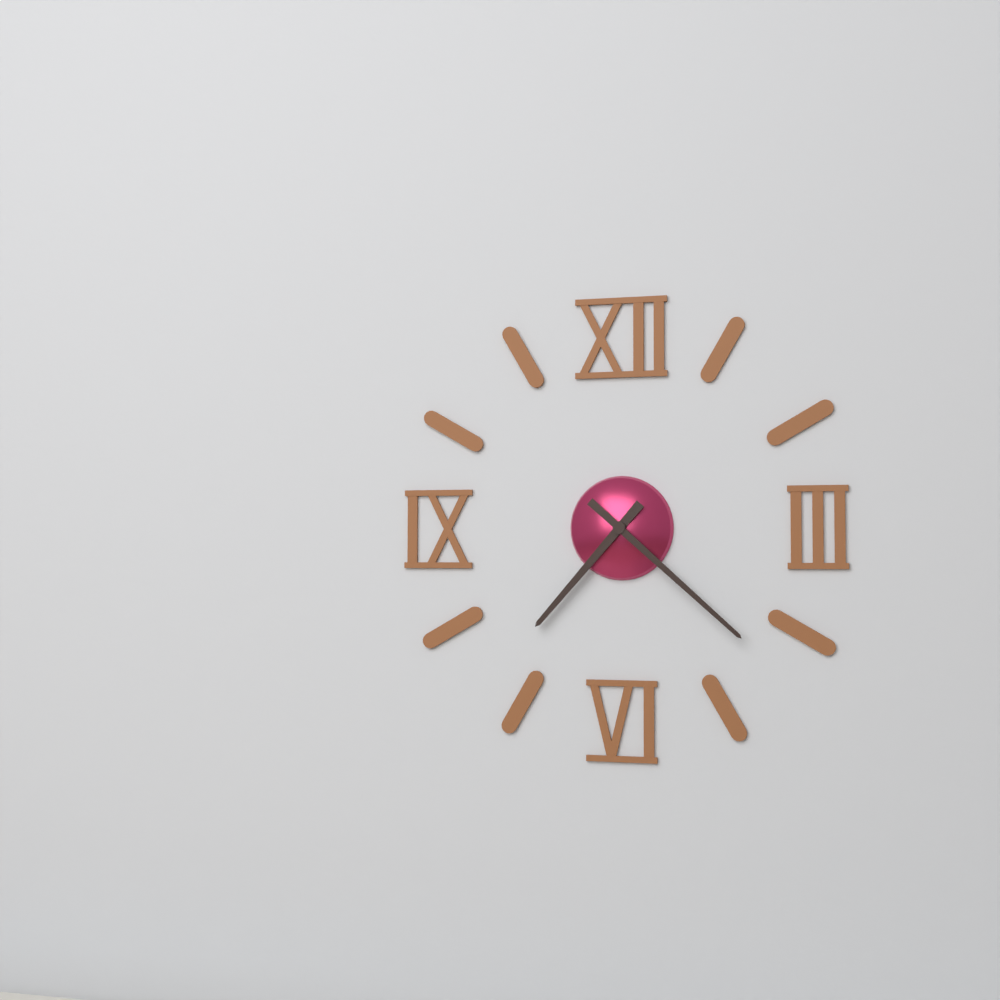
7 h 22 min
